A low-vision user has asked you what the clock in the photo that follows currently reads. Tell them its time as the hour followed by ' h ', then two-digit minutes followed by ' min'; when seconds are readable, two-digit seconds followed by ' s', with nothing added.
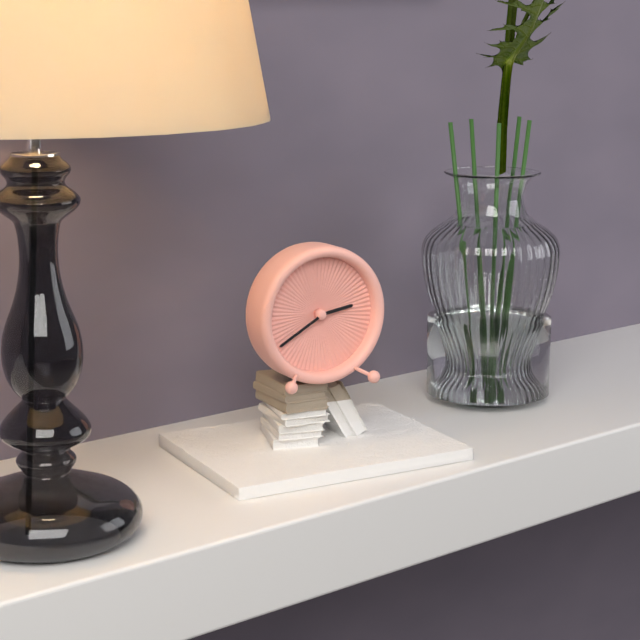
2 h 40 min
